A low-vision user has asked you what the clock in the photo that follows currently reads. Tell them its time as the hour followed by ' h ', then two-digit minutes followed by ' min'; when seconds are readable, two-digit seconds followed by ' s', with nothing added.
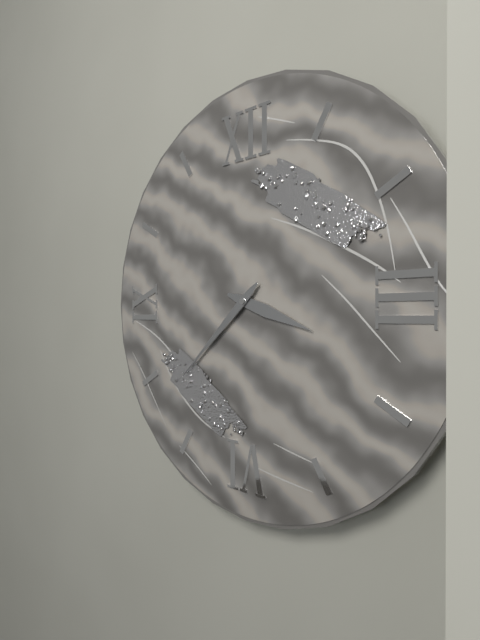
3 h 38 min
